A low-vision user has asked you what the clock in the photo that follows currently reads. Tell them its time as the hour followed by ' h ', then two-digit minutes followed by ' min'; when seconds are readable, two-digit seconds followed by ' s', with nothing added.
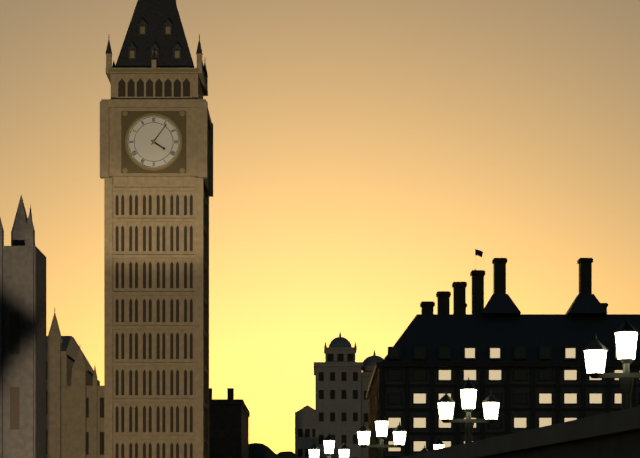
4 h 06 min
